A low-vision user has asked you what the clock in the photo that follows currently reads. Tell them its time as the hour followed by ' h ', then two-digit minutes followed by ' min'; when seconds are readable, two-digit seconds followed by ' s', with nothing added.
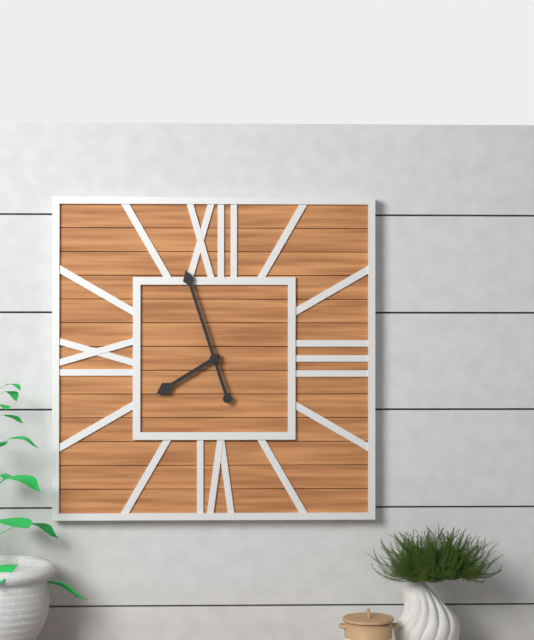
7 h 57 min
